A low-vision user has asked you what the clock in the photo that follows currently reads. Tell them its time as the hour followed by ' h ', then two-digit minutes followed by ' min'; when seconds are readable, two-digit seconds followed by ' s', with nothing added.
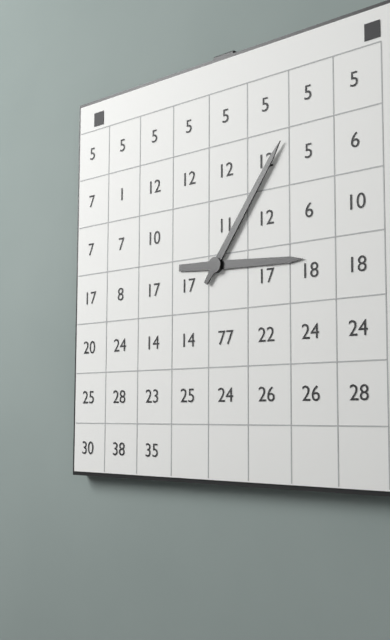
3 h 06 min
